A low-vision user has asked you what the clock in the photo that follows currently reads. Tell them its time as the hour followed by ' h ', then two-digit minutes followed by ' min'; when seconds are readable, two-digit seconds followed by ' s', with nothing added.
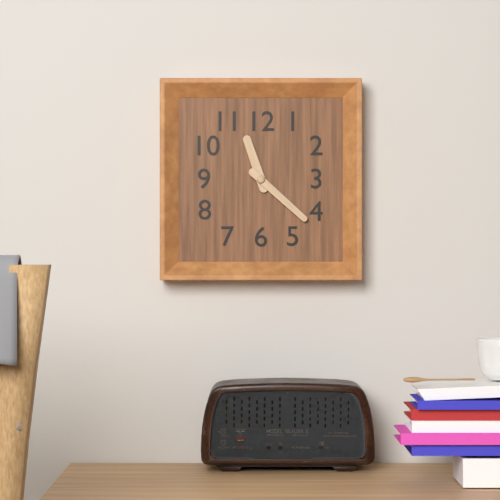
11 h 22 min
